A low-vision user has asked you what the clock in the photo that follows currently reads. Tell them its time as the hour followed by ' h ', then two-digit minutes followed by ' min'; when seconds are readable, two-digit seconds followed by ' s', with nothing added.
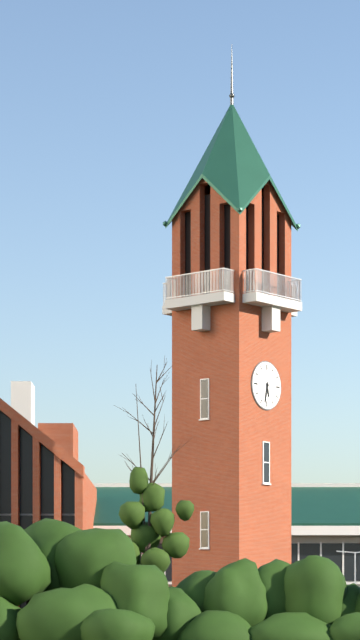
5 h 32 min
